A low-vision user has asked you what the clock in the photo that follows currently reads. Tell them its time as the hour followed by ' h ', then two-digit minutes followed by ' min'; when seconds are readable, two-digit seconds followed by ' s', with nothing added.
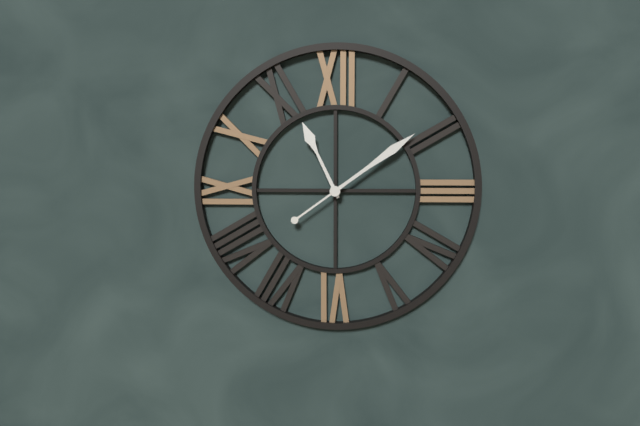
11 h 09 min
